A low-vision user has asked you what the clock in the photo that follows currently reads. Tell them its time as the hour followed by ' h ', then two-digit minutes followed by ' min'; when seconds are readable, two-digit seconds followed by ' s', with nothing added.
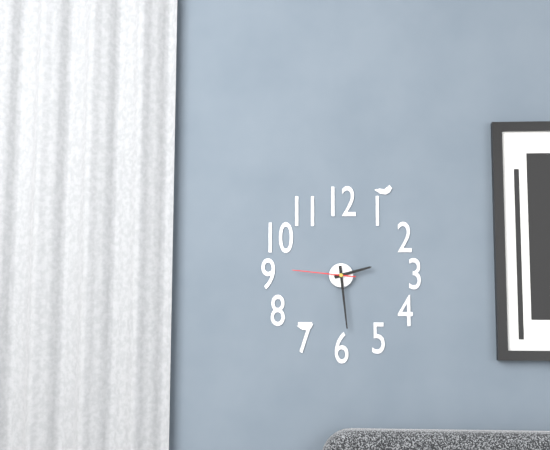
2 h 29 min 46 s
